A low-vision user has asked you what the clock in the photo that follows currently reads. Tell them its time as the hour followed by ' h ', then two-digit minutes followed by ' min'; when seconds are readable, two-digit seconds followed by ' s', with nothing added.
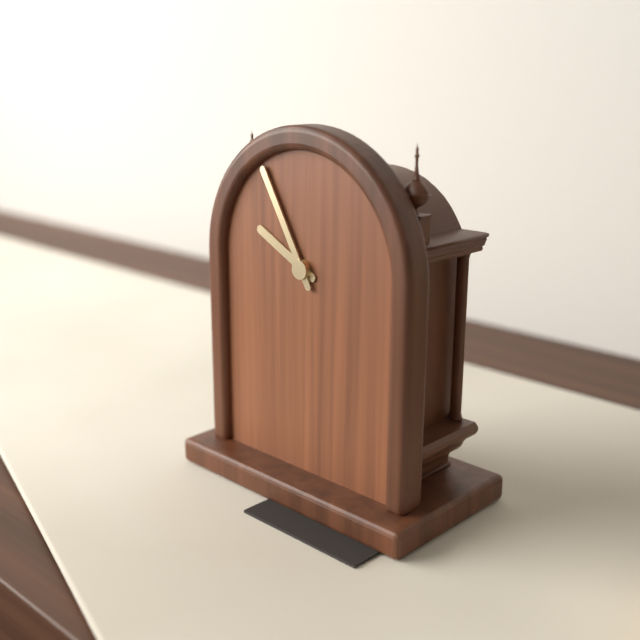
9 h 55 min
